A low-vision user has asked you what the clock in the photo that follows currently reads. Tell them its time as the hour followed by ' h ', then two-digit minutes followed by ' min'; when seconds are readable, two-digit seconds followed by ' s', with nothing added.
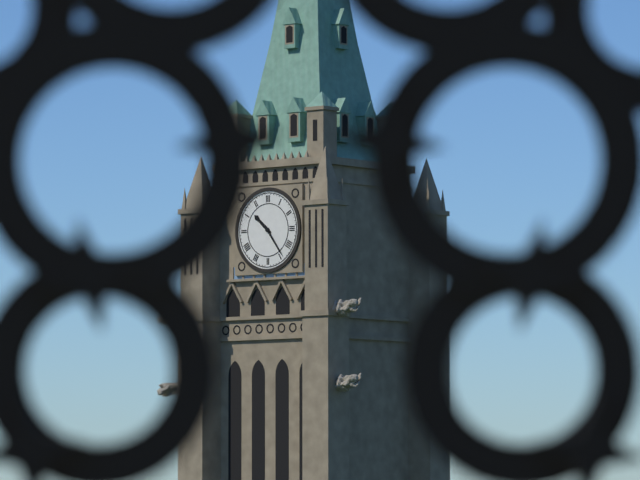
10 h 24 min
